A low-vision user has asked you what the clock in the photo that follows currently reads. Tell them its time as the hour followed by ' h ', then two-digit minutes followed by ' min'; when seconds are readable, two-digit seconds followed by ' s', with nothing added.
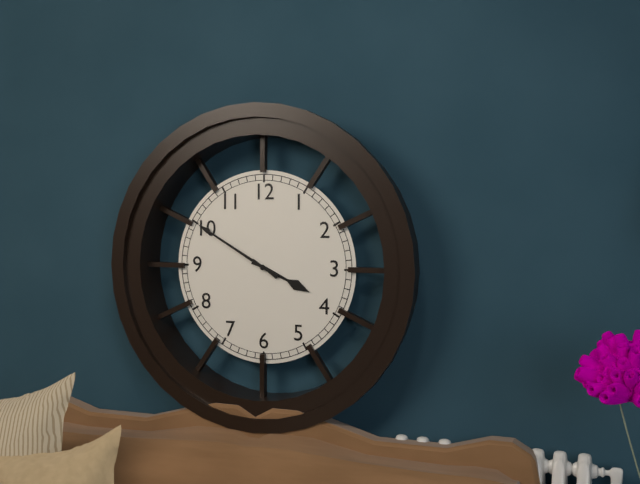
3 h 50 min
